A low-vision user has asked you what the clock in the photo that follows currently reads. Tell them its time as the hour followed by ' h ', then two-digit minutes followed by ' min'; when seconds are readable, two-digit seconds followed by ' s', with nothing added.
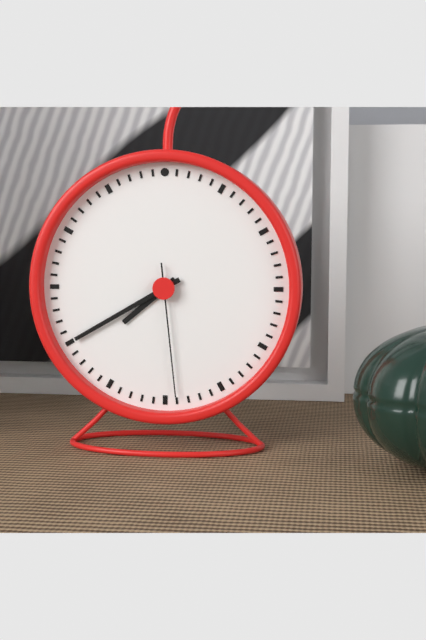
7 h 40 min 29 s
